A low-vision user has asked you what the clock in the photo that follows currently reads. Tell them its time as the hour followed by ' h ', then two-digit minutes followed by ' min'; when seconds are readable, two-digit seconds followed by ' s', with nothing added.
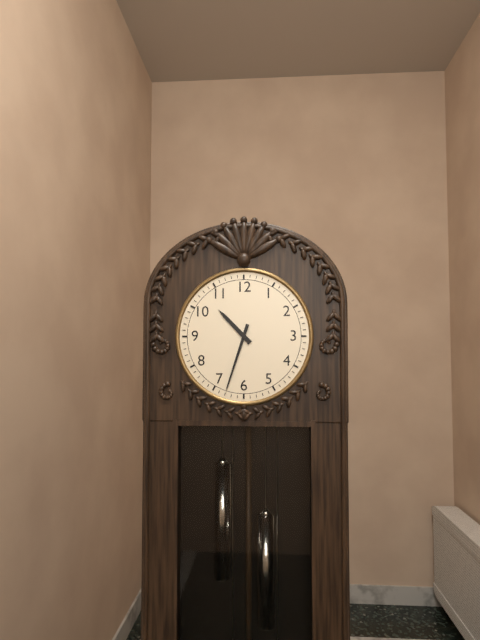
10 h 33 min
